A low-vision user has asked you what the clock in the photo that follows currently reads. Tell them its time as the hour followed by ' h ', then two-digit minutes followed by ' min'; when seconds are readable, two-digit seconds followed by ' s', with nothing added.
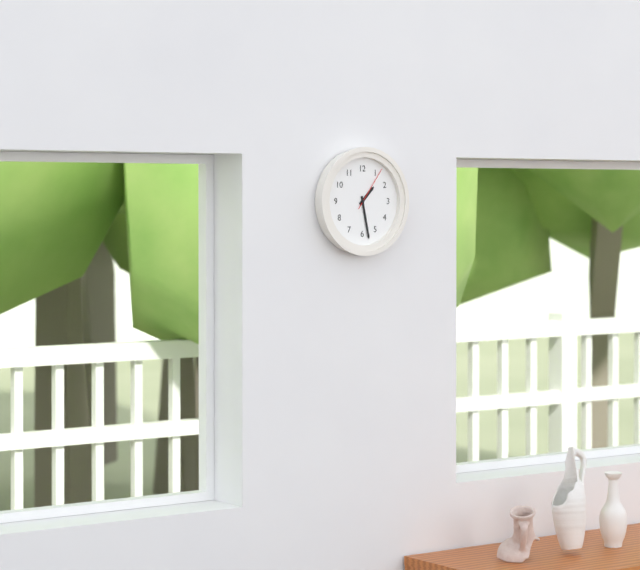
1 h 28 min
